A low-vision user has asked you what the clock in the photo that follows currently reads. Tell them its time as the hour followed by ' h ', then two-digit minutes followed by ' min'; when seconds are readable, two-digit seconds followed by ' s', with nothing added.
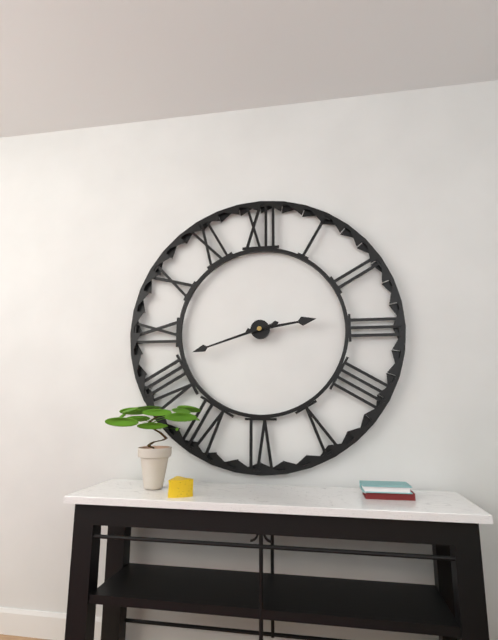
2 h 42 min
